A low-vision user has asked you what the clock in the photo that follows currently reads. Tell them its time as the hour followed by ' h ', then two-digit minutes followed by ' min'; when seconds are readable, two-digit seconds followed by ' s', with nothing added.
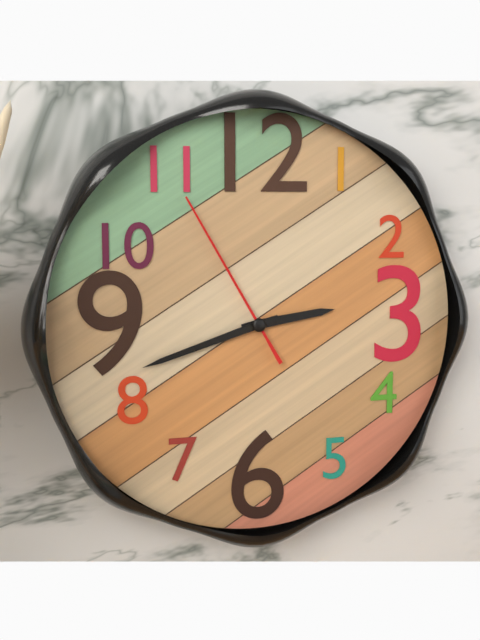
2 h 42 min 55 s
